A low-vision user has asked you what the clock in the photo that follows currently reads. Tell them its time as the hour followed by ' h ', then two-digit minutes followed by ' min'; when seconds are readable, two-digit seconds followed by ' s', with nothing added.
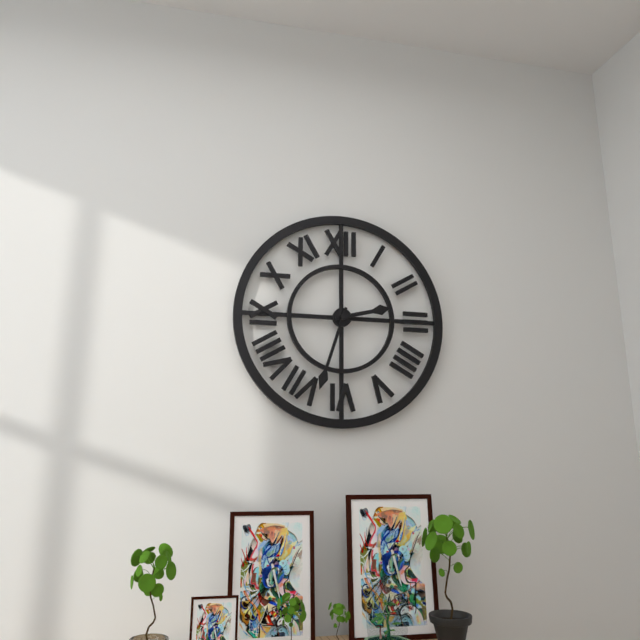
2 h 33 min
